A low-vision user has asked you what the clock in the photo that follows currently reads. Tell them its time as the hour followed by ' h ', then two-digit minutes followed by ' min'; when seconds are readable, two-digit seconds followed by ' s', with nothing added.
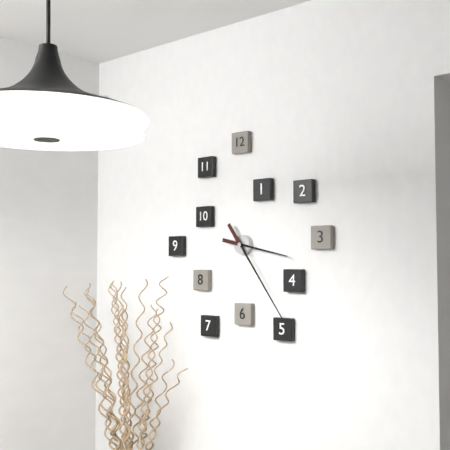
3 h 24 min
